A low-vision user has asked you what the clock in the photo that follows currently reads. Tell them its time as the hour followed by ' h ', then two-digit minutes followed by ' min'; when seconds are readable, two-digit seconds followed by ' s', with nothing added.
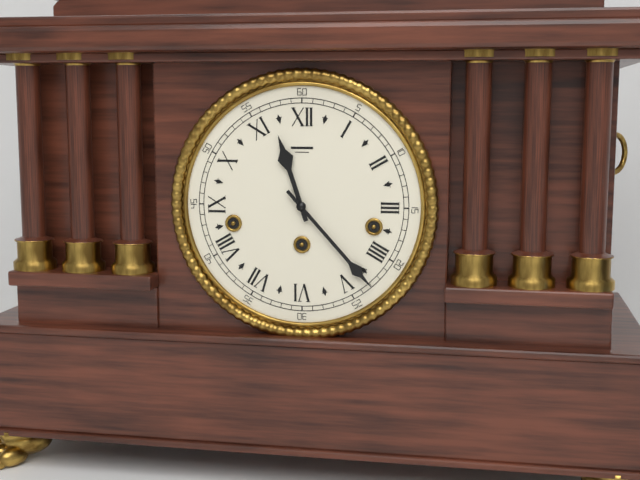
11 h 23 min
